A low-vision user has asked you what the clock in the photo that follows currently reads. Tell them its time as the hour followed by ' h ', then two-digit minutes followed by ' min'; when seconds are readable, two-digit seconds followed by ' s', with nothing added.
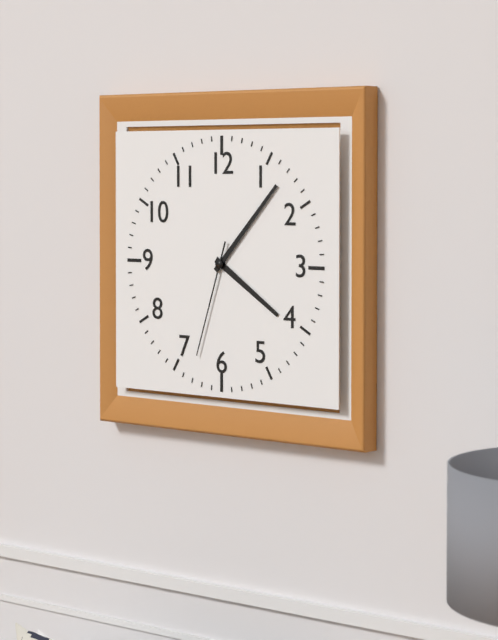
4 h 07 min 33 s
